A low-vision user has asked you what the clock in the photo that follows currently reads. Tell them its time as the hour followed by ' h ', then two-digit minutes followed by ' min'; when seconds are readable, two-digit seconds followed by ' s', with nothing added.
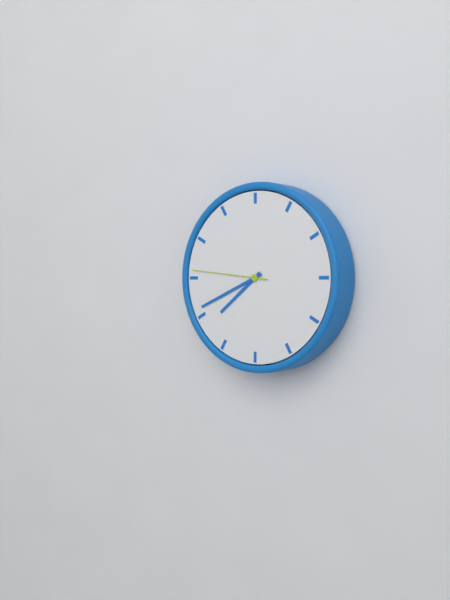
7 h 41 min 46 s
